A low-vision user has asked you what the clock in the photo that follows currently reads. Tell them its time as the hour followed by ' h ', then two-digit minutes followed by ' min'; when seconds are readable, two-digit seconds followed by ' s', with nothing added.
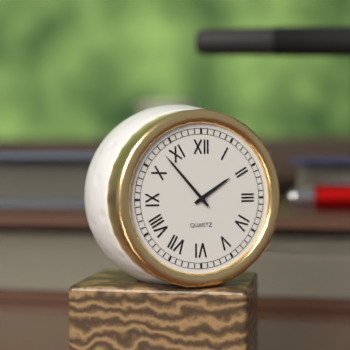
1 h 53 min
